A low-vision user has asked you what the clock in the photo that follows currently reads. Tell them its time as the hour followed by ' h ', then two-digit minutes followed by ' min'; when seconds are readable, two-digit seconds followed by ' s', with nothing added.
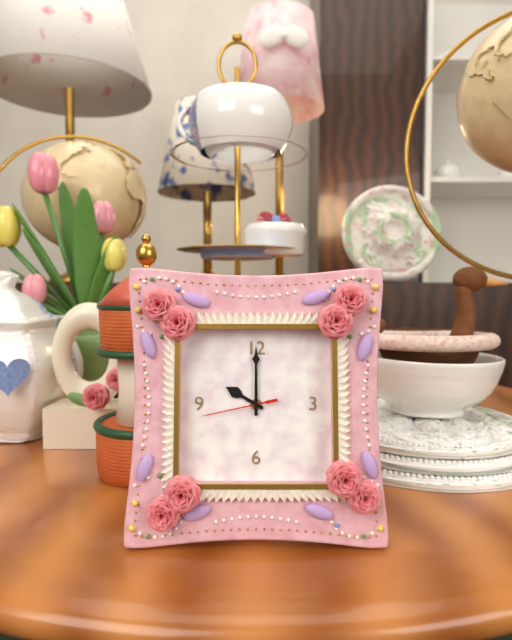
10 h 00 min 43 s
